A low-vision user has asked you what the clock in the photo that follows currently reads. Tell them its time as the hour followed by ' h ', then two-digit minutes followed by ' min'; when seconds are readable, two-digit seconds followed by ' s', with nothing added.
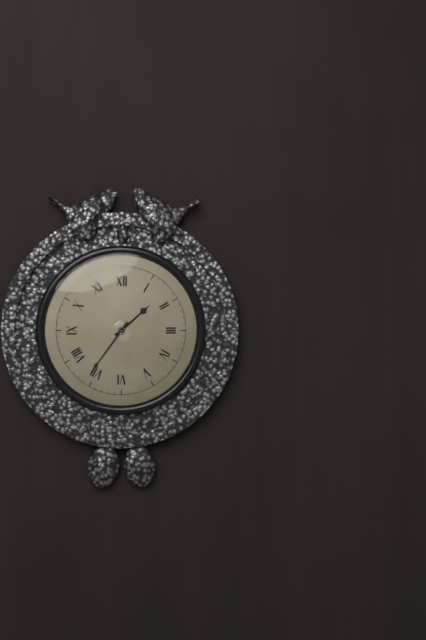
1 h 36 min
